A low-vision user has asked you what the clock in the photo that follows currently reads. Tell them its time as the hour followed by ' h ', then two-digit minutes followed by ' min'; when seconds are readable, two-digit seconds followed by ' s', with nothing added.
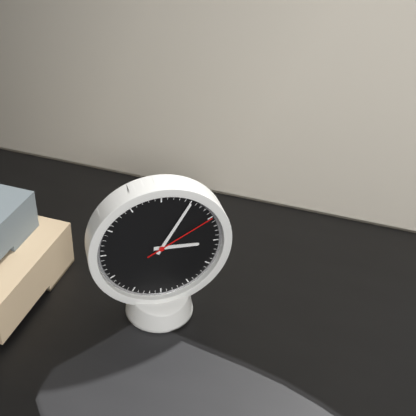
3 h 05 min 10 s
